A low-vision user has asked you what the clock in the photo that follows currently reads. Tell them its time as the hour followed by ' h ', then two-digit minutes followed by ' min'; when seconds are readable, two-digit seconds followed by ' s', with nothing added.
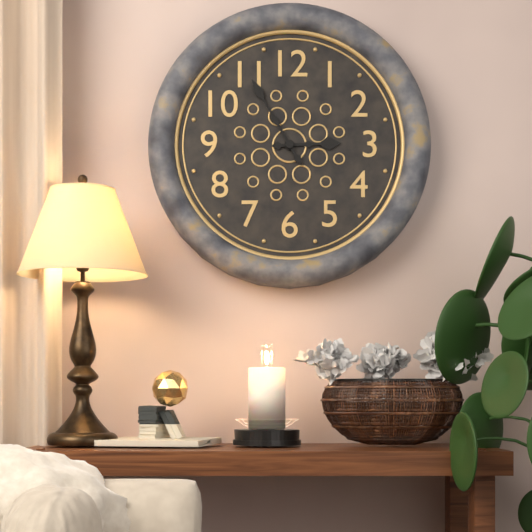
2 h 55 min
